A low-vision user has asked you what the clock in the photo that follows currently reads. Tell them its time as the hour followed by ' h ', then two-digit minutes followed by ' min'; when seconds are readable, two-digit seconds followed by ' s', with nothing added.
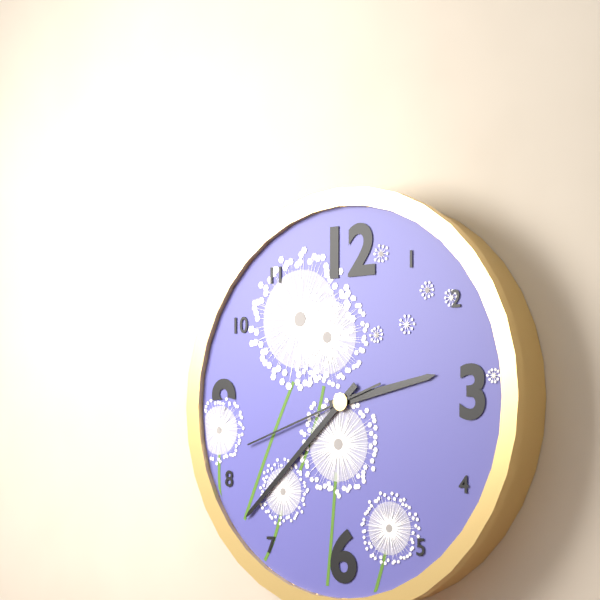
2 h 38 min 42 s
